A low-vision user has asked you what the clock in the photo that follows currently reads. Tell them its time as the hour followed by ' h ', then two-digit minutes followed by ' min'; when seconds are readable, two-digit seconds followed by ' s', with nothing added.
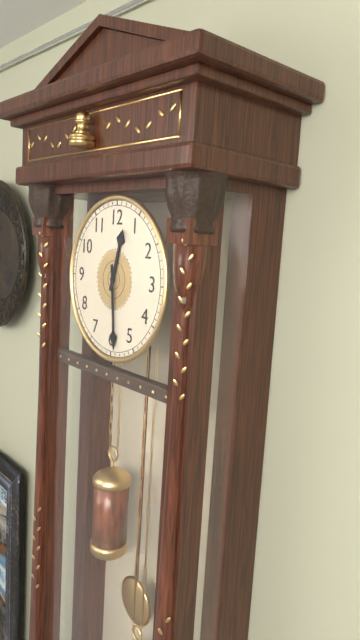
12 h 29 min
